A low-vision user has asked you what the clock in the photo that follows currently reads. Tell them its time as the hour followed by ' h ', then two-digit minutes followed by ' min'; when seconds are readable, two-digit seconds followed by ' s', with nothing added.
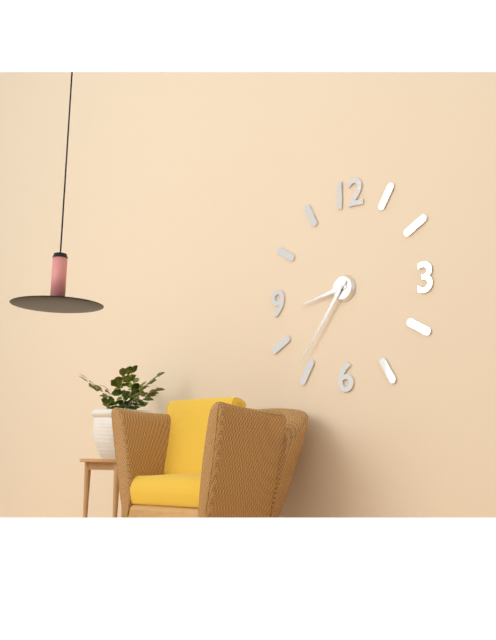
8 h 36 min
